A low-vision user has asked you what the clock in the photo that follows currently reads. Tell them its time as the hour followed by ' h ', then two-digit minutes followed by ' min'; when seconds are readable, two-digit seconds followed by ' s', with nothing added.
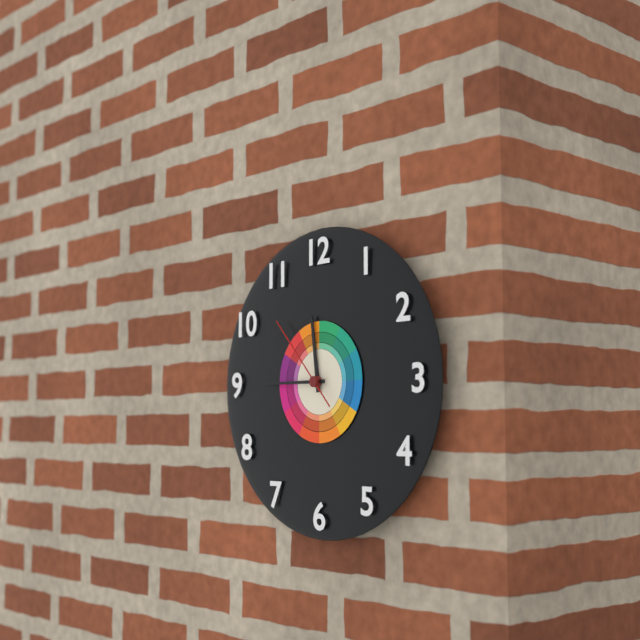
11 h 45 min 53 s
